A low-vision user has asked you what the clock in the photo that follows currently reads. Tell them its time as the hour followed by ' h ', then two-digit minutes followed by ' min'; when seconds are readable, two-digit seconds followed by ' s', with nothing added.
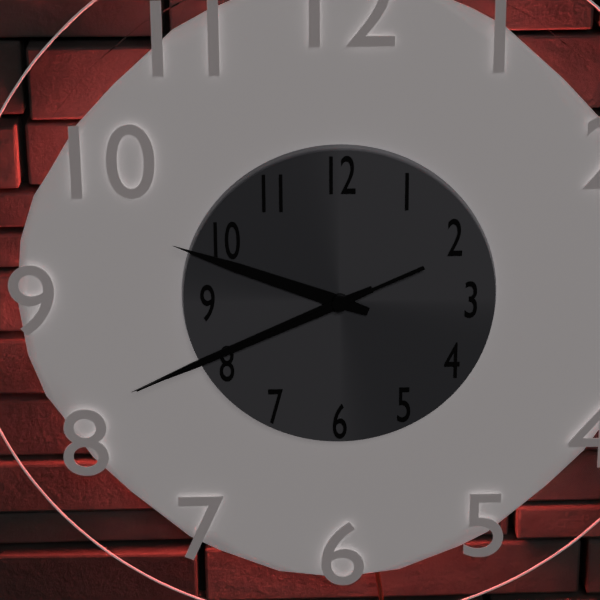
9 h 41 min 41 s
